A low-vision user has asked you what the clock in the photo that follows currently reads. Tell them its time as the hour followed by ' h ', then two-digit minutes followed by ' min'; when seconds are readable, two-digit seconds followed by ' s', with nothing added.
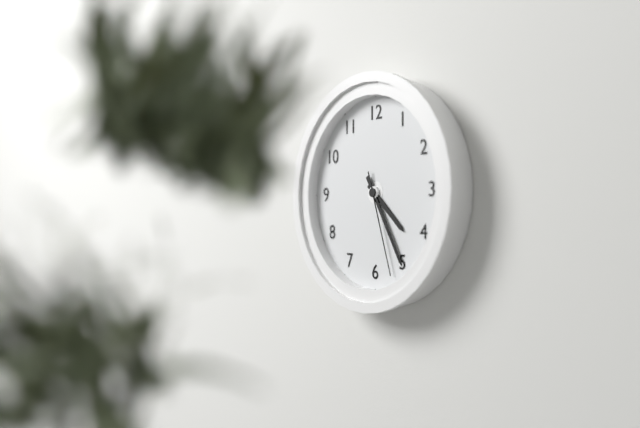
4 h 25 min 27 s
